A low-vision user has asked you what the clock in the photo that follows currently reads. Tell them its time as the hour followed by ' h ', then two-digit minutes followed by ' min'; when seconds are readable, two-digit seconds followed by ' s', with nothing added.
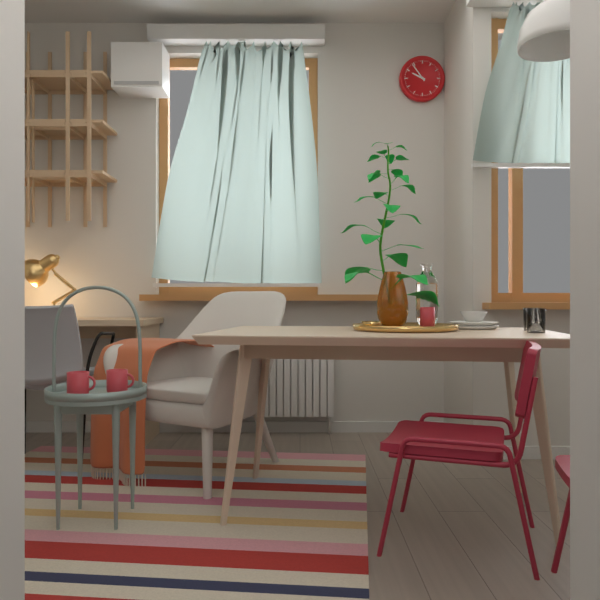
9 h 54 min
